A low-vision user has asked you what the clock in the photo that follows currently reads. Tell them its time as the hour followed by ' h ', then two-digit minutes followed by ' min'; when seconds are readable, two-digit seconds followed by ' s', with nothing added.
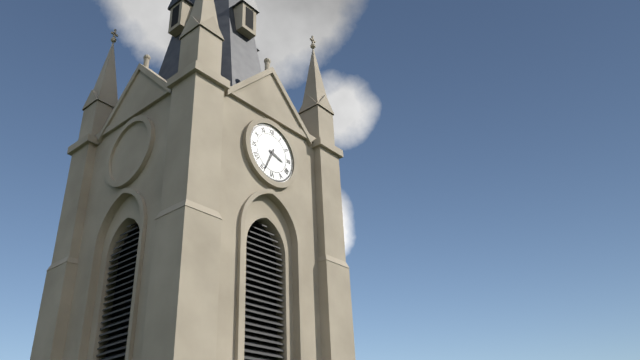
3 h 34 min
